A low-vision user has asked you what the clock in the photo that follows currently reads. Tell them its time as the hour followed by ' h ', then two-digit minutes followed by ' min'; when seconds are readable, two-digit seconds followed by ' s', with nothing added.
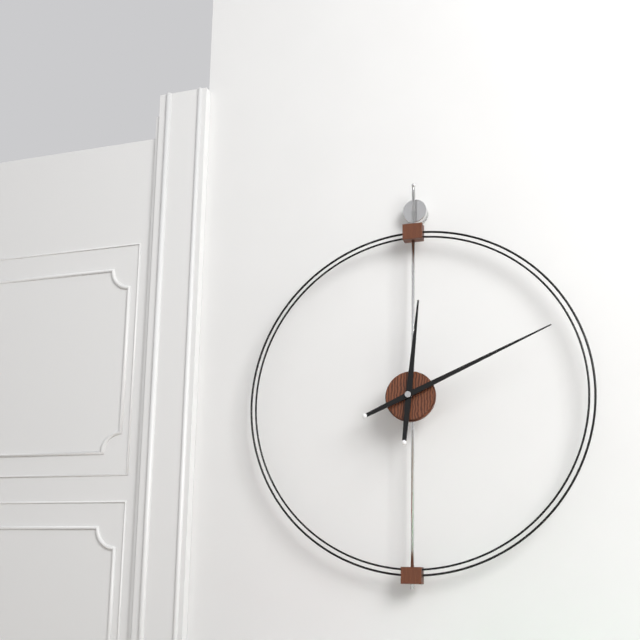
12 h 11 min
